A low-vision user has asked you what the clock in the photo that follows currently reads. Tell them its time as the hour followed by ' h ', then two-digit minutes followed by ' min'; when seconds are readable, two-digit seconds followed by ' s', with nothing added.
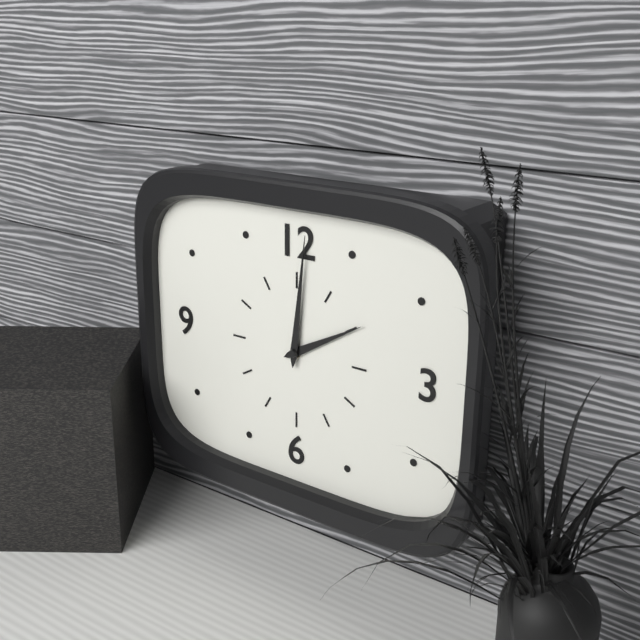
2 h 01 min
